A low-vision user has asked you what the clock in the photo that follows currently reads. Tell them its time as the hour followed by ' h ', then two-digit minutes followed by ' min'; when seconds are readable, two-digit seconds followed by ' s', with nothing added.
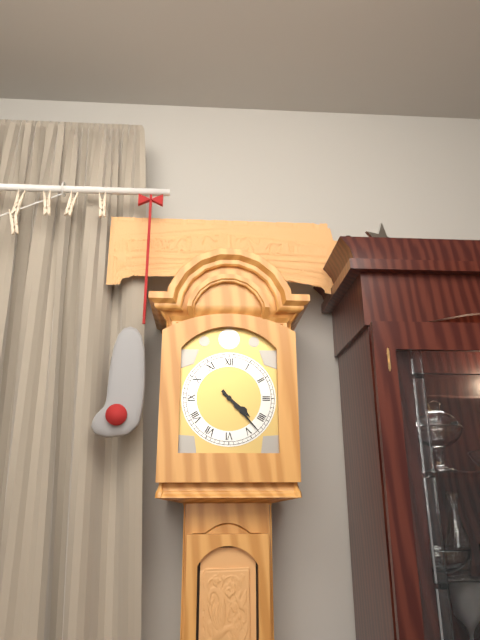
4 h 23 min
